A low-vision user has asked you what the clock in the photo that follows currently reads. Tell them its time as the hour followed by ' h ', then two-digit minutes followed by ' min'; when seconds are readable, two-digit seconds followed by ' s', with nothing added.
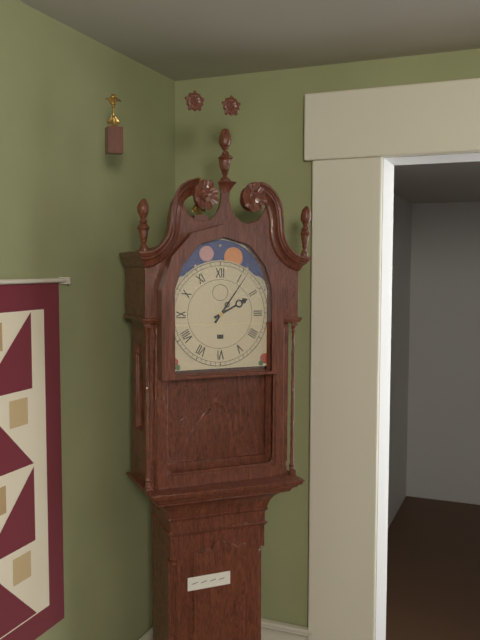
2 h 06 min
